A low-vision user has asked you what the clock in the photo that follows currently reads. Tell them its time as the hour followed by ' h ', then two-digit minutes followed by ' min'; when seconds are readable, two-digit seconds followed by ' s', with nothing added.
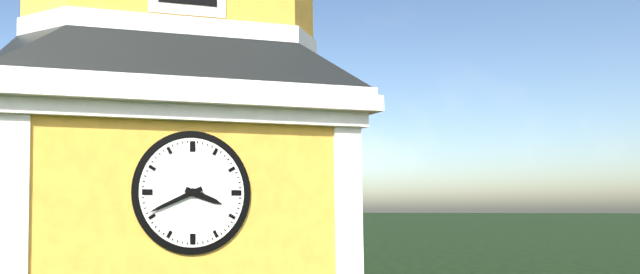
3 h 41 min
